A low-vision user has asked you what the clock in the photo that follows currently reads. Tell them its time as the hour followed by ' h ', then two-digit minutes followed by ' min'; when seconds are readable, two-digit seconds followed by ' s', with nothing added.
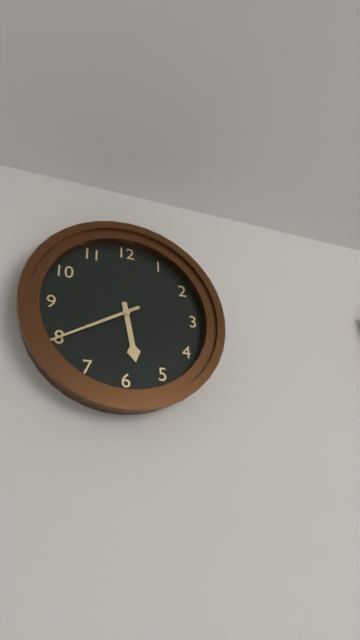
5 h 40 min
